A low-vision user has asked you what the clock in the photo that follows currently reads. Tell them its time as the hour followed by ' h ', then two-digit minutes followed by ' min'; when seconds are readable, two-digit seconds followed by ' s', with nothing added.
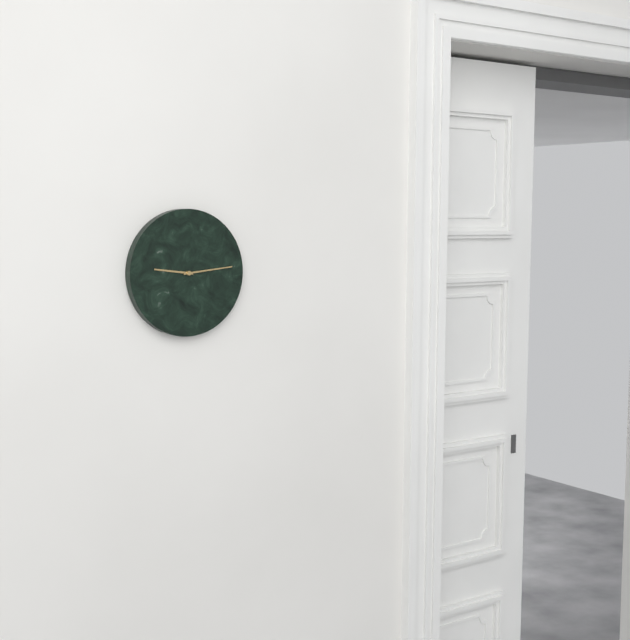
9 h 14 min
